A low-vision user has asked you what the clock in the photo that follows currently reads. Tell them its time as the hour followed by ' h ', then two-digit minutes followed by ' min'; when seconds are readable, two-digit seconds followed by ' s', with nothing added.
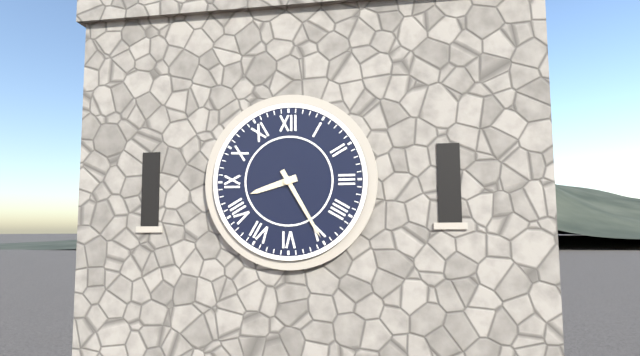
8 h 25 min
